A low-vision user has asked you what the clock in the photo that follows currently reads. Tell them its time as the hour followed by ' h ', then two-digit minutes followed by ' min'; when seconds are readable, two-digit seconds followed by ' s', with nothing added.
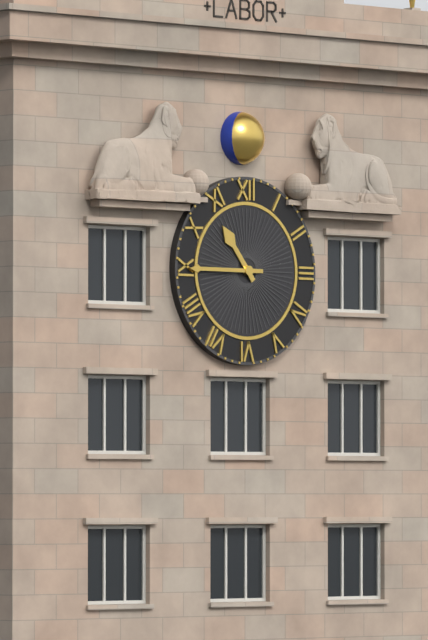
10 h 45 min
